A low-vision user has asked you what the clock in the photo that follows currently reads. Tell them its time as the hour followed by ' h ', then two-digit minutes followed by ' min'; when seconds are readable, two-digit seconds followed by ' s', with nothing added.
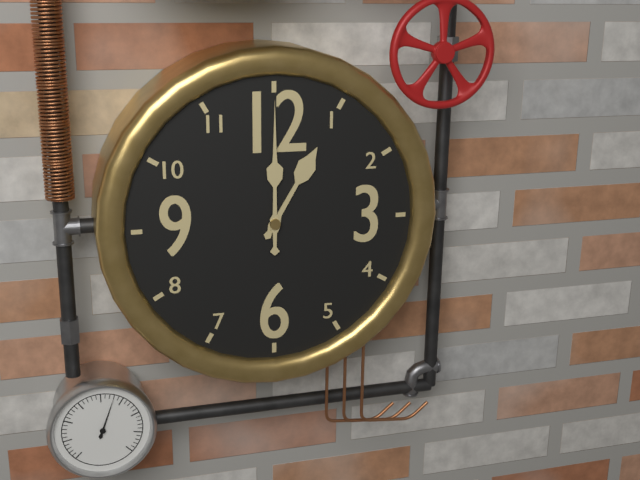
1 h 00 min
